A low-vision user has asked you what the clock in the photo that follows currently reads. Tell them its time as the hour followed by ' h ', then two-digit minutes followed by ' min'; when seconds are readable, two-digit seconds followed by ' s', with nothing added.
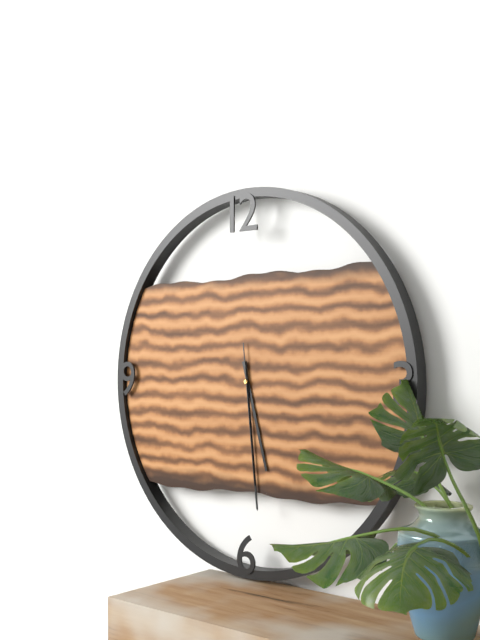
5 h 29 min 29 s
